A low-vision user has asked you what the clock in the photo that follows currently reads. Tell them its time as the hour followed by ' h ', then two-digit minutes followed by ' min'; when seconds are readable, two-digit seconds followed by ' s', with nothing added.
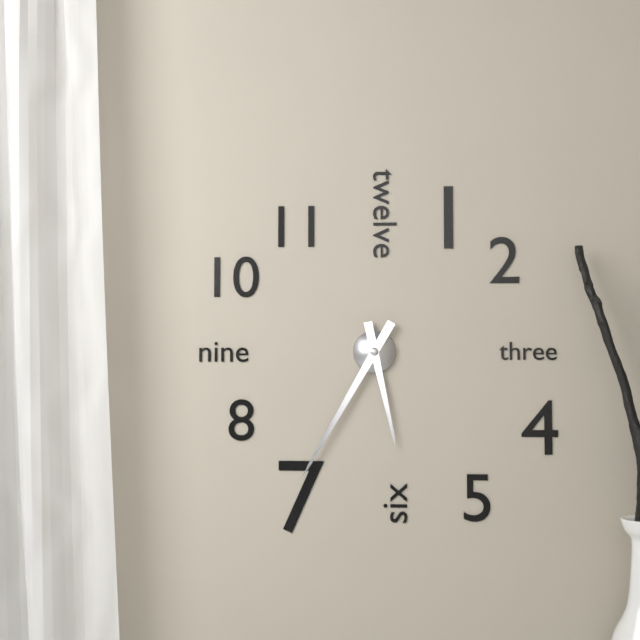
5 h 35 min
